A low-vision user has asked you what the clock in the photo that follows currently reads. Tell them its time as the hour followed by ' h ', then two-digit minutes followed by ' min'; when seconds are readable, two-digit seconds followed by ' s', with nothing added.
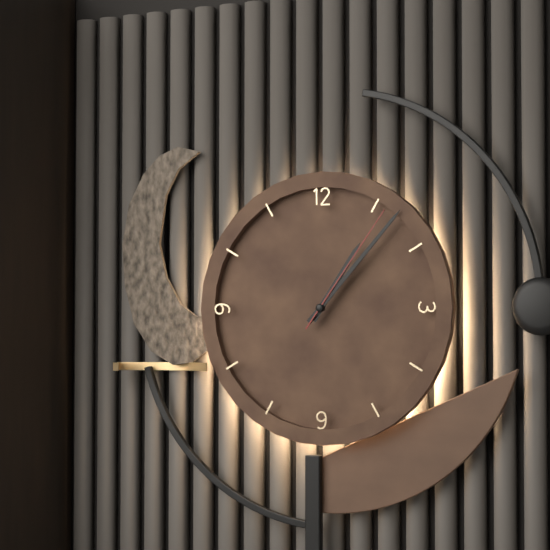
1 h 07 min 06 s
